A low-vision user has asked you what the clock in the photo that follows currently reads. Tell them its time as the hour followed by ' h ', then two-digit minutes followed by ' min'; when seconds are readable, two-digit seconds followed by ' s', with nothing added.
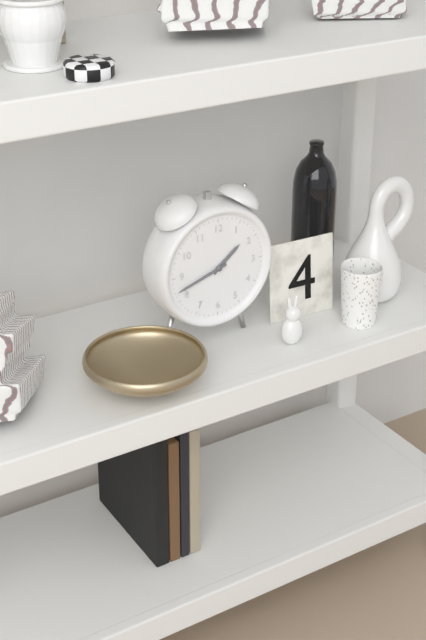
1 h 42 min
